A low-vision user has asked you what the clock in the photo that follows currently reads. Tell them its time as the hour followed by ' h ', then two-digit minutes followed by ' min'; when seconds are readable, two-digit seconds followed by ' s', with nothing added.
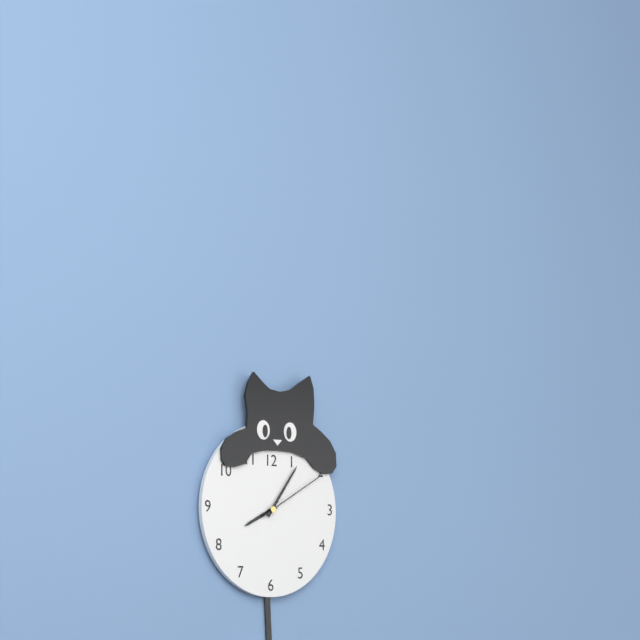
8 h 06 min 10 s
